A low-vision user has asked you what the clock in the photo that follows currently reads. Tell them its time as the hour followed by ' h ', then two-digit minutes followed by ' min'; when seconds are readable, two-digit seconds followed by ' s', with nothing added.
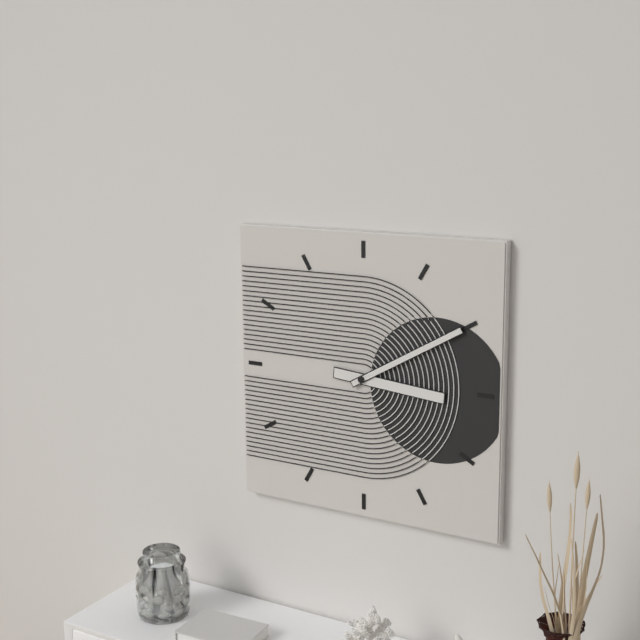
3 h 10 min
